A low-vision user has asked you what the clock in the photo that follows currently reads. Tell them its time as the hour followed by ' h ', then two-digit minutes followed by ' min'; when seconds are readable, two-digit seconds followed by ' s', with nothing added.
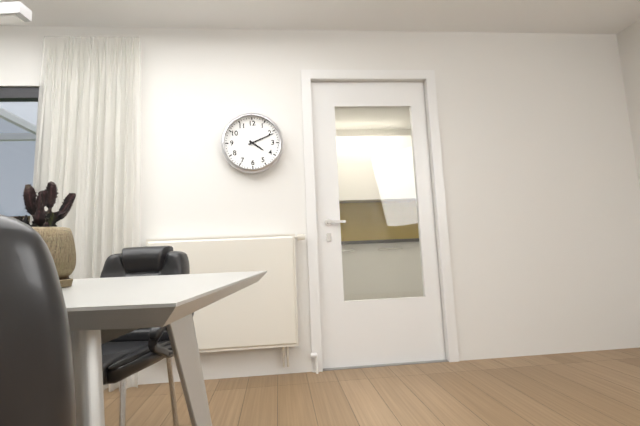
4 h 11 min
